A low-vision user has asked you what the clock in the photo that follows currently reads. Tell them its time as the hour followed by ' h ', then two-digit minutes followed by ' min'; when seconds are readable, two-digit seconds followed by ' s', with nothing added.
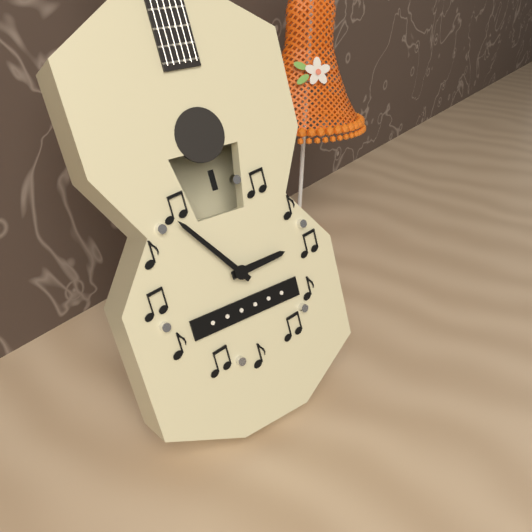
2 h 54 min
